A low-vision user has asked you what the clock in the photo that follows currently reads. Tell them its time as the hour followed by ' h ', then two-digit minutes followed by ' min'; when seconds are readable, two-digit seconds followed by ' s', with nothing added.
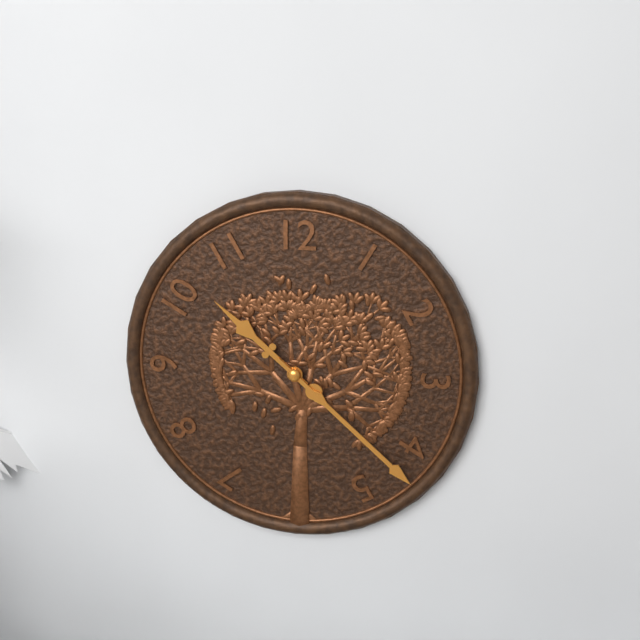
10 h 22 min
